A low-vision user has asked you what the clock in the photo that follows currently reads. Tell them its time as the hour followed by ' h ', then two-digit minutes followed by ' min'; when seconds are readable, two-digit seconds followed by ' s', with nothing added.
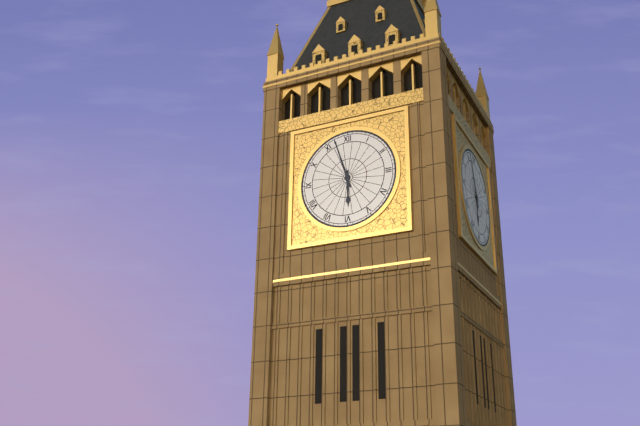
5 h 57 min
